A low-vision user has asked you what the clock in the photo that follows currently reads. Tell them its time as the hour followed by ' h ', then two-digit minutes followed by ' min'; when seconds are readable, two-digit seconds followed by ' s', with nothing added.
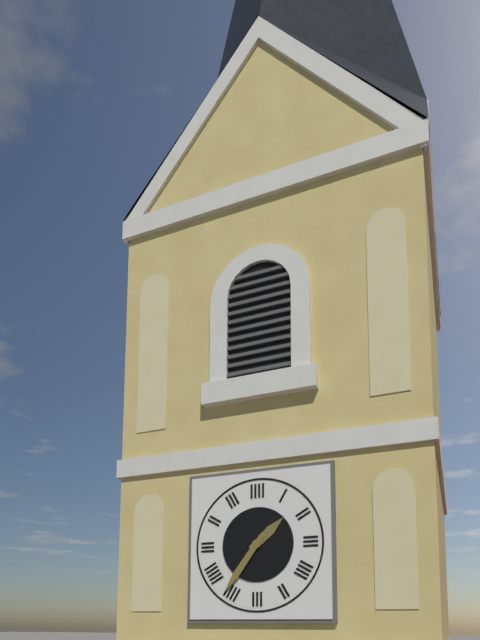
1 h 36 min
